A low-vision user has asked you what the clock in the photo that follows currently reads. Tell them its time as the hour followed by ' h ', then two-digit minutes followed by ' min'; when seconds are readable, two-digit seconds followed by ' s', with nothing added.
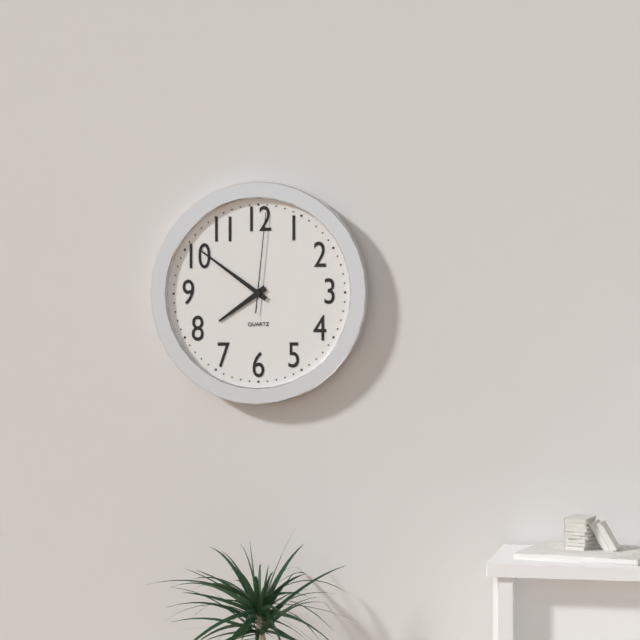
7 h 51 min 01 s
